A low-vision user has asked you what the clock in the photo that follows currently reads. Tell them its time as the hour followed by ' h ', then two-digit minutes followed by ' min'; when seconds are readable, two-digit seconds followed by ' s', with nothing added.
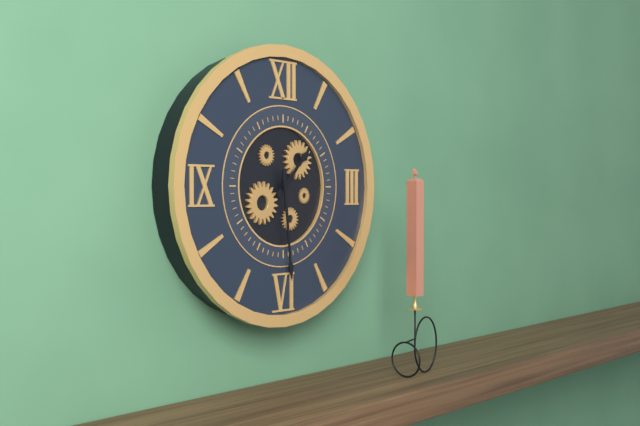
1 h 29 min
